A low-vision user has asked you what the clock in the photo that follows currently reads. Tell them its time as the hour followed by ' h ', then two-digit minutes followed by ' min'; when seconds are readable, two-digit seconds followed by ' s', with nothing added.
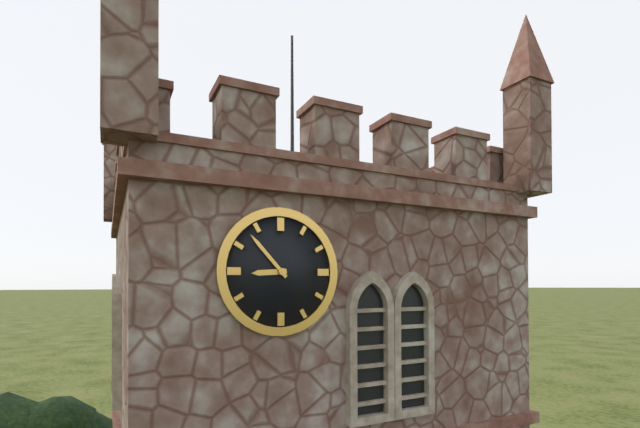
8 h 53 min
